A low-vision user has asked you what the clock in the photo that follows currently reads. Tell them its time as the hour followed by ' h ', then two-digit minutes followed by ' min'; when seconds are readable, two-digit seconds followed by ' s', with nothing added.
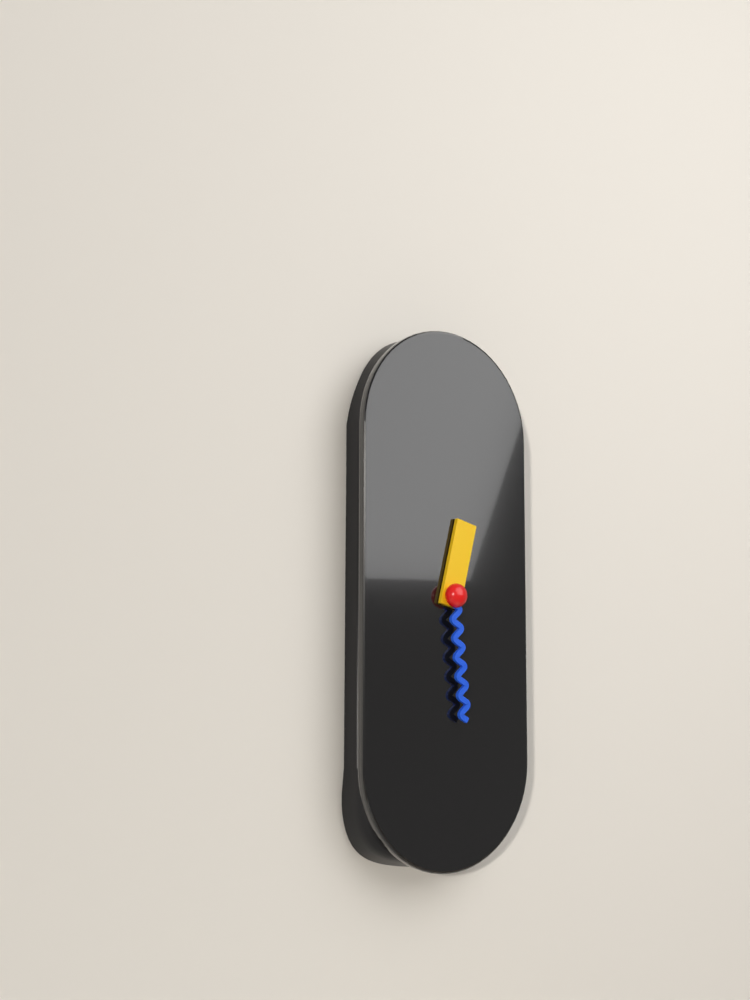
12 h 29 min
